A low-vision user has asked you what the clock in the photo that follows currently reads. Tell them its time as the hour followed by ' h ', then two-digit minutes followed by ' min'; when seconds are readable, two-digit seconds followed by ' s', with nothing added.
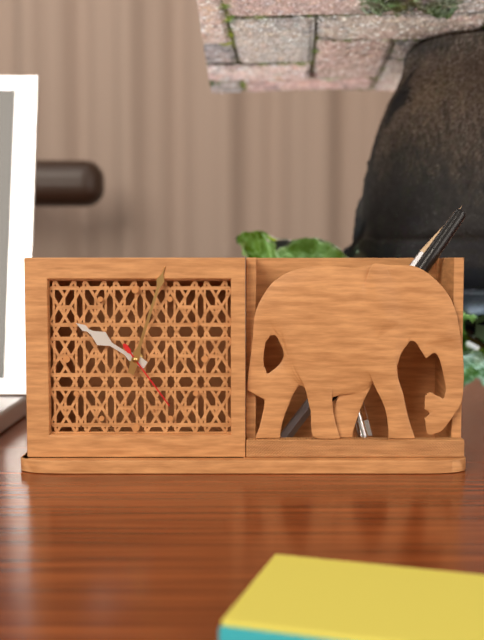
10 h 03 min 24 s
